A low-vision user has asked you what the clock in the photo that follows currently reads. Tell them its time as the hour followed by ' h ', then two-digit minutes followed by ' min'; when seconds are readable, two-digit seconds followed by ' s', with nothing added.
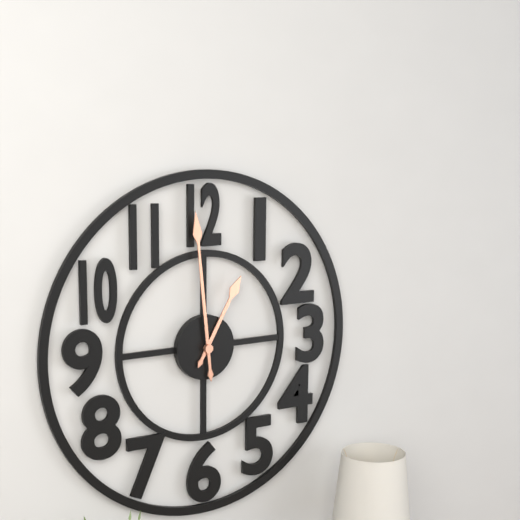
12 h 59 min
